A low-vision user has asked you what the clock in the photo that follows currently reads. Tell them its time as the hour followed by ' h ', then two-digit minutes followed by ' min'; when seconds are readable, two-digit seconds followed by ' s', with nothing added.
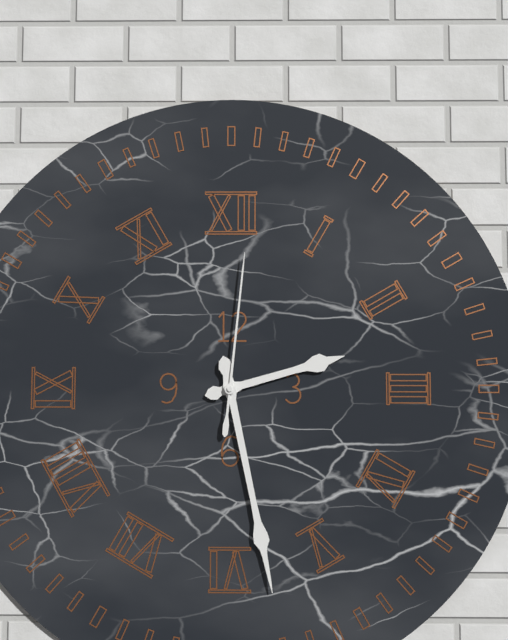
2 h 28 min 01 s
